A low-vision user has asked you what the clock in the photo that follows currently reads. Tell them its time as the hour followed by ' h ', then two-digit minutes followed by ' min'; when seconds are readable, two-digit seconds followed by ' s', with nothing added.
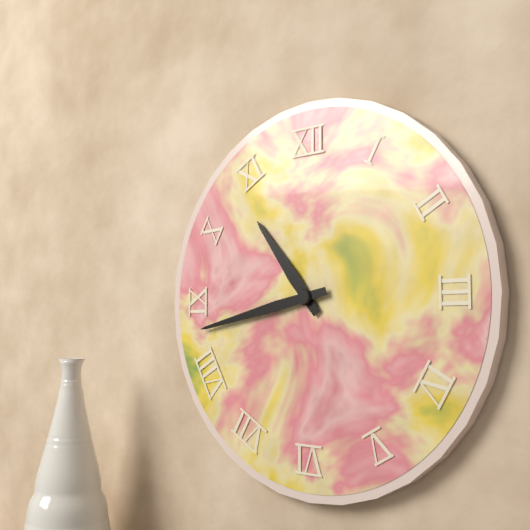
10 h 43 min
